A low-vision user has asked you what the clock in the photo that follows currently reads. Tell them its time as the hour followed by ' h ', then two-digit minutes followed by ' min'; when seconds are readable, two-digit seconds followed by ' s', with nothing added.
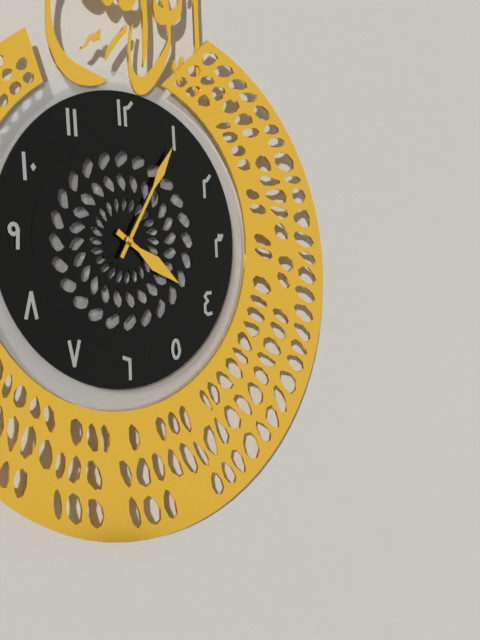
4 h 05 min
